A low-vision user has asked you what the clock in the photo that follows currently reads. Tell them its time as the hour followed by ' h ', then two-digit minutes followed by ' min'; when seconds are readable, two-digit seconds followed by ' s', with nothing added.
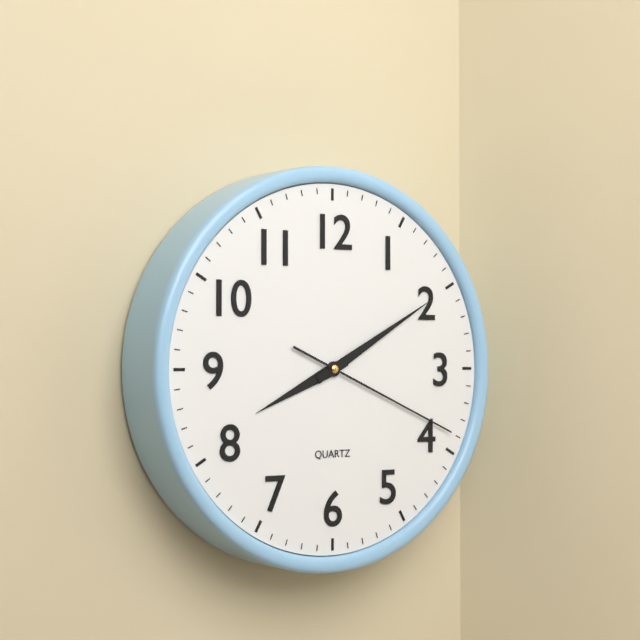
8 h 10 min 19 s
